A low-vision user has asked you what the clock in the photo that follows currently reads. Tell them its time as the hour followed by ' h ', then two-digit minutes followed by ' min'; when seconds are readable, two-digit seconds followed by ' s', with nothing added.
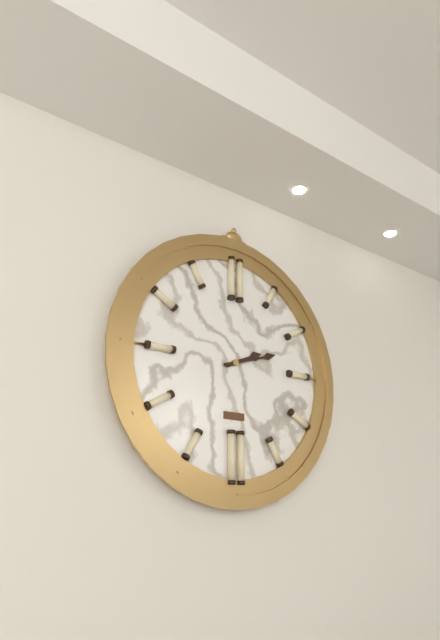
2 h 12 min
